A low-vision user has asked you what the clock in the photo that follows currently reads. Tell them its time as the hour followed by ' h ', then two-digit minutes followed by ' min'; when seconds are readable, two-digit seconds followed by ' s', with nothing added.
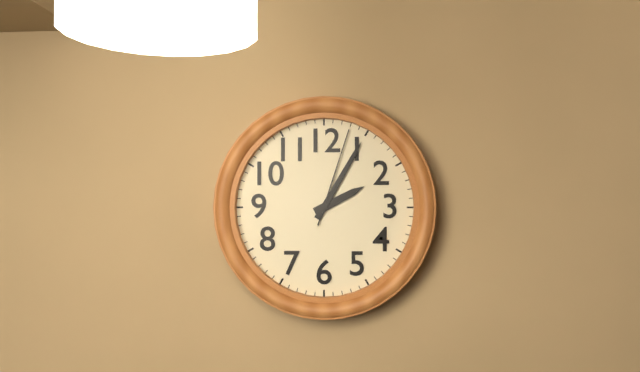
2 h 05 min 03 s
